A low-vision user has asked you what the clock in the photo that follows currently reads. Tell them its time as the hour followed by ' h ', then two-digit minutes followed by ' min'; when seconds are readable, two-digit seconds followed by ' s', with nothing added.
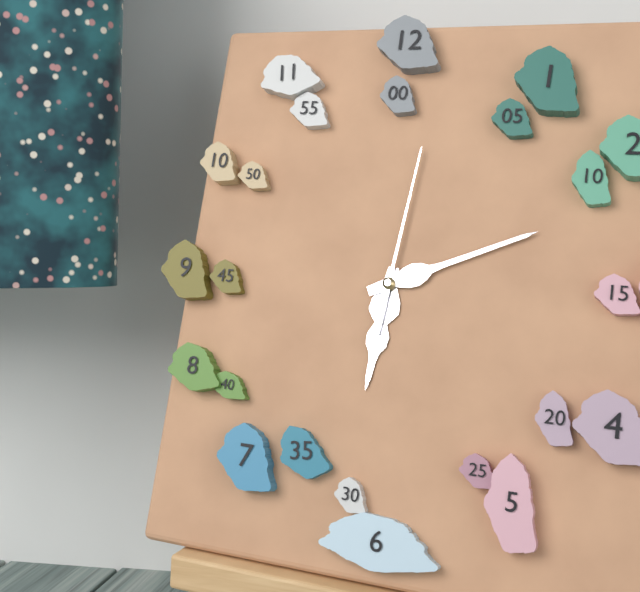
6 h 11 min 01 s
